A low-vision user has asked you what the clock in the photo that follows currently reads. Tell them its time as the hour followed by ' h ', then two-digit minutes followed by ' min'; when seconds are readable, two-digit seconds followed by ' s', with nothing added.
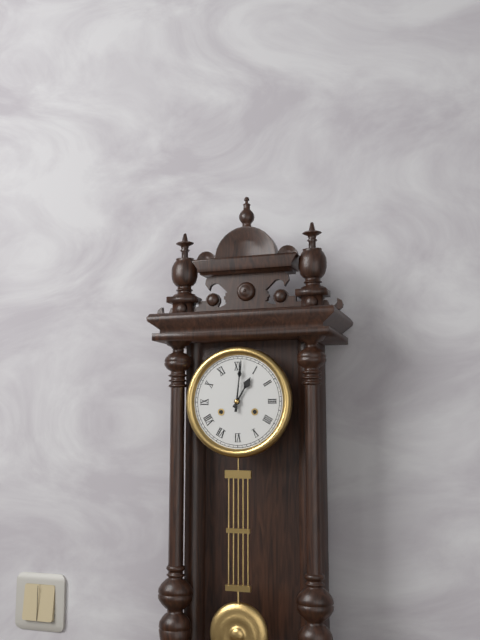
1 h 01 min
